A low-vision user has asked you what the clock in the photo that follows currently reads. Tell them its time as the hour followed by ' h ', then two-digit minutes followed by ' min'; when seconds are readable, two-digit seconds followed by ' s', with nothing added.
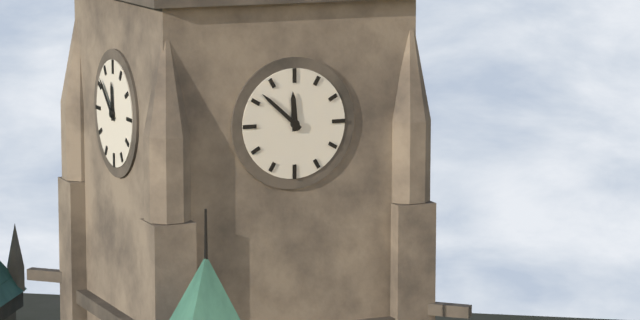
11 h 52 min
